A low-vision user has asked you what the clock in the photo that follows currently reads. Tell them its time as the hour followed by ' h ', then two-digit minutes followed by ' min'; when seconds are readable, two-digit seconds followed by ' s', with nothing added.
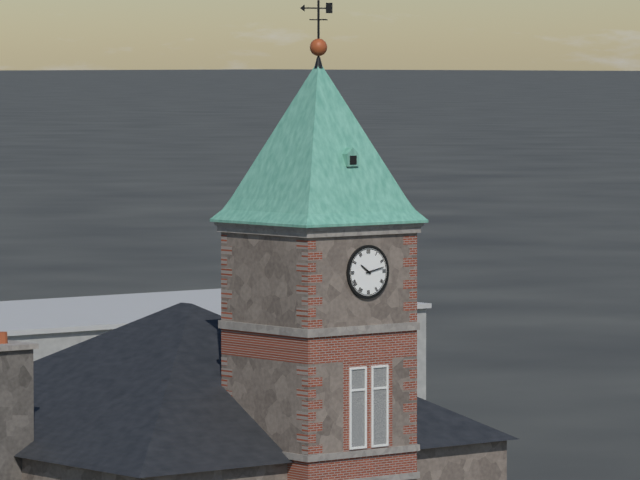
10 h 13 min
